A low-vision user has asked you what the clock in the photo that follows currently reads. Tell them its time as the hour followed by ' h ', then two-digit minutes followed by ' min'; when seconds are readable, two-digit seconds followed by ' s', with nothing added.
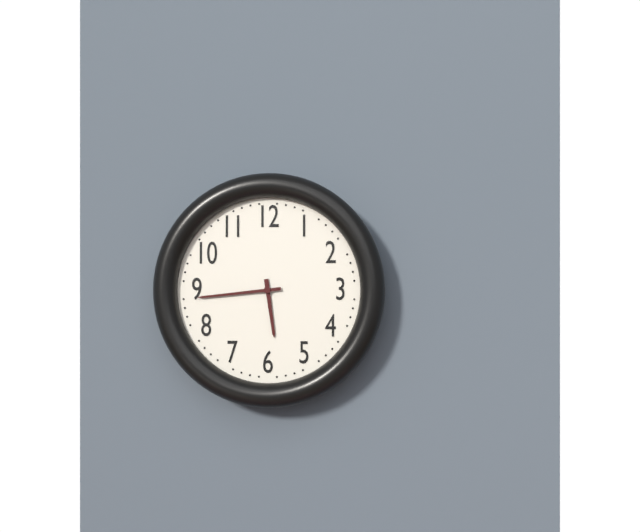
5 h 44 min
